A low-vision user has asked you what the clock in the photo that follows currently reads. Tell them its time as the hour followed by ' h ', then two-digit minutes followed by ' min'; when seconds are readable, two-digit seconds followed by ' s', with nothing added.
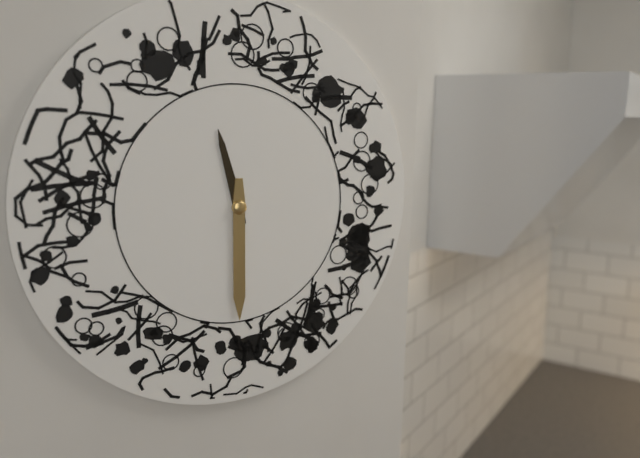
11 h 30 min
